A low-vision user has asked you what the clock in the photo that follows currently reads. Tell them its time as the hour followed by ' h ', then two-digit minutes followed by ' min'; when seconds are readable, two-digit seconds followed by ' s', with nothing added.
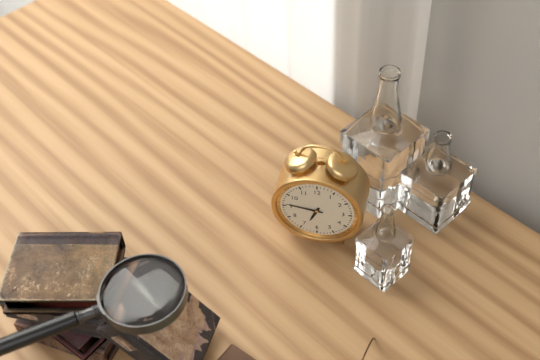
6 h 46 min
